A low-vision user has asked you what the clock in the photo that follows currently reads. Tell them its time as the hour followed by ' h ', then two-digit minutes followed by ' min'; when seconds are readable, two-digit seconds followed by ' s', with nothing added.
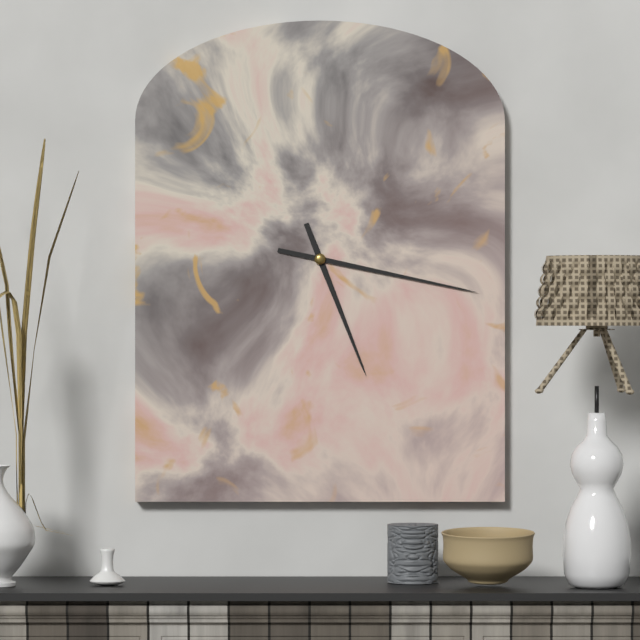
5 h 17 min
